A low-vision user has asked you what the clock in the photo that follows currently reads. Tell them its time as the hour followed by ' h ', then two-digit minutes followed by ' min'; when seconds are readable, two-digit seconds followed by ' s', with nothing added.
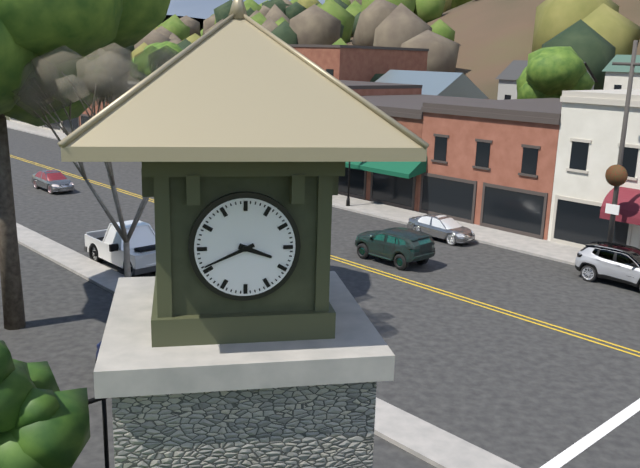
3 h 41 min
